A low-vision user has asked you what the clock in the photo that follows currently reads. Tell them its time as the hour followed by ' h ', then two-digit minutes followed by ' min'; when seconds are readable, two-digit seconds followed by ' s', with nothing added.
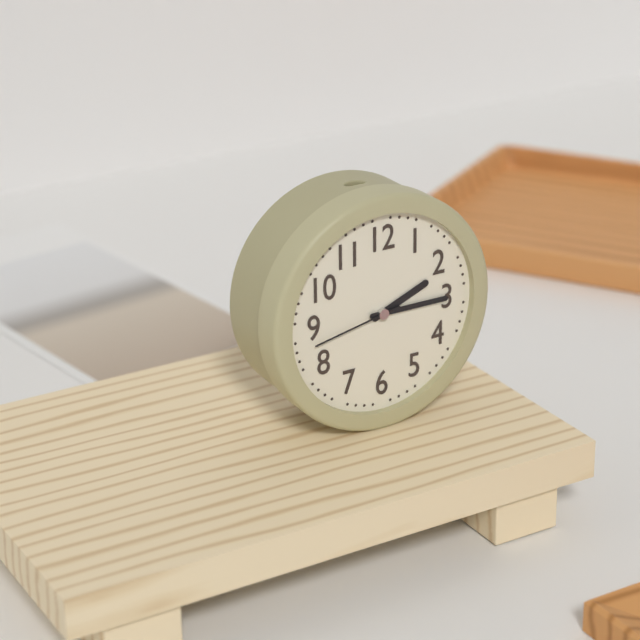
2 h 15 min 43 s
